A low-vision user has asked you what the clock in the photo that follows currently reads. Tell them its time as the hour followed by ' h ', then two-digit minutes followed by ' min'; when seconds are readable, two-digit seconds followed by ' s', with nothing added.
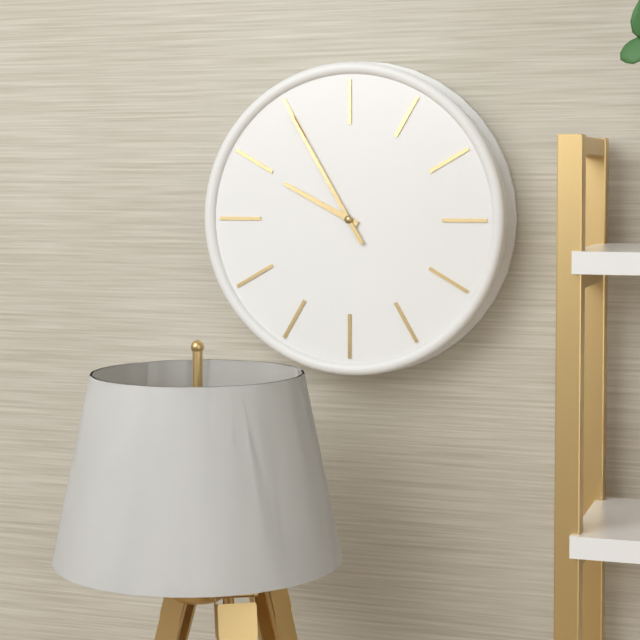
9 h 55 min
